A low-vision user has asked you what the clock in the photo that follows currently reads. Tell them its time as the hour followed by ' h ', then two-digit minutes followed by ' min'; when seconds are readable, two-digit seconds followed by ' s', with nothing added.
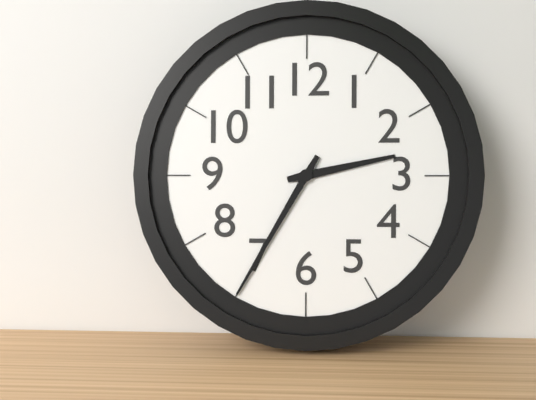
2 h 35 min
